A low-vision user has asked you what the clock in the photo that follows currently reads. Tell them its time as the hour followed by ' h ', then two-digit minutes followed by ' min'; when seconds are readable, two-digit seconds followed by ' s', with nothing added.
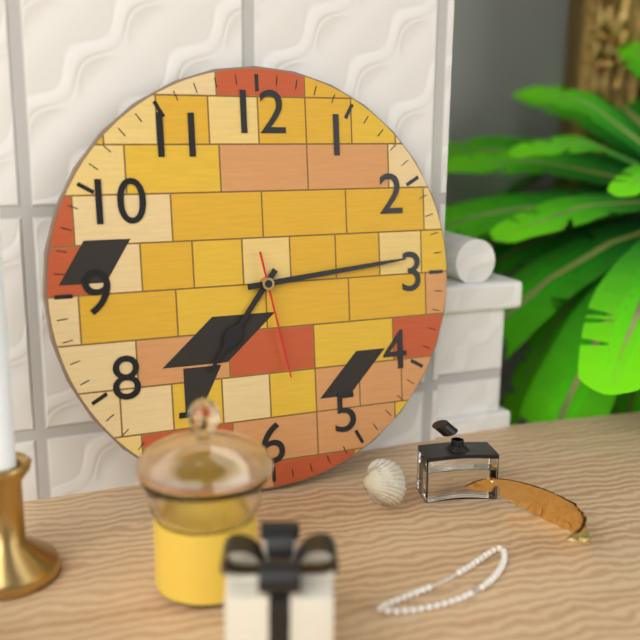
7 h 14 min 28 s
